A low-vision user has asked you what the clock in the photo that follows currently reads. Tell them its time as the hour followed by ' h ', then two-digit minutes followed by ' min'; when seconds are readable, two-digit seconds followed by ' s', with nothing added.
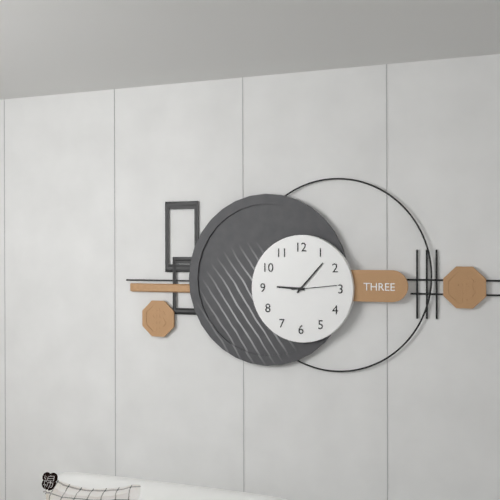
9 h 07 min
